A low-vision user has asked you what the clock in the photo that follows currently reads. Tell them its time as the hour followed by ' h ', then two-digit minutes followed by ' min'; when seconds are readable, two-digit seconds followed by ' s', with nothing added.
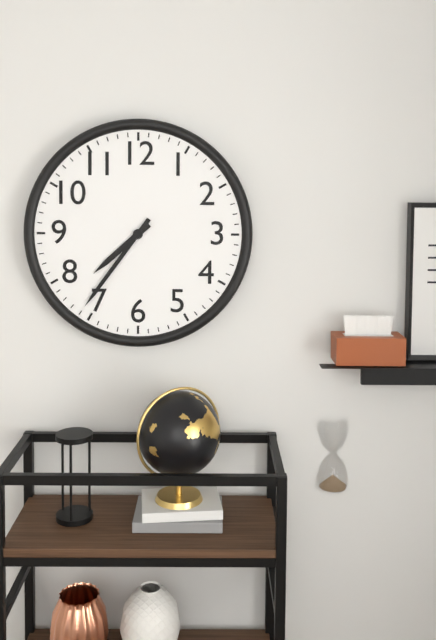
7 h 36 min
